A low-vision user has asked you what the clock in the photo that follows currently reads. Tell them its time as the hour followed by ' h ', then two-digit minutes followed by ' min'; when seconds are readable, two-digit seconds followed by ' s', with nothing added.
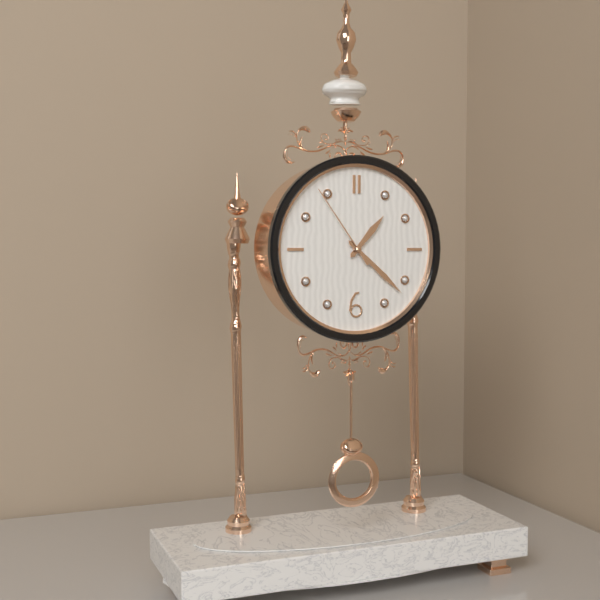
1 h 22 min 54 s
